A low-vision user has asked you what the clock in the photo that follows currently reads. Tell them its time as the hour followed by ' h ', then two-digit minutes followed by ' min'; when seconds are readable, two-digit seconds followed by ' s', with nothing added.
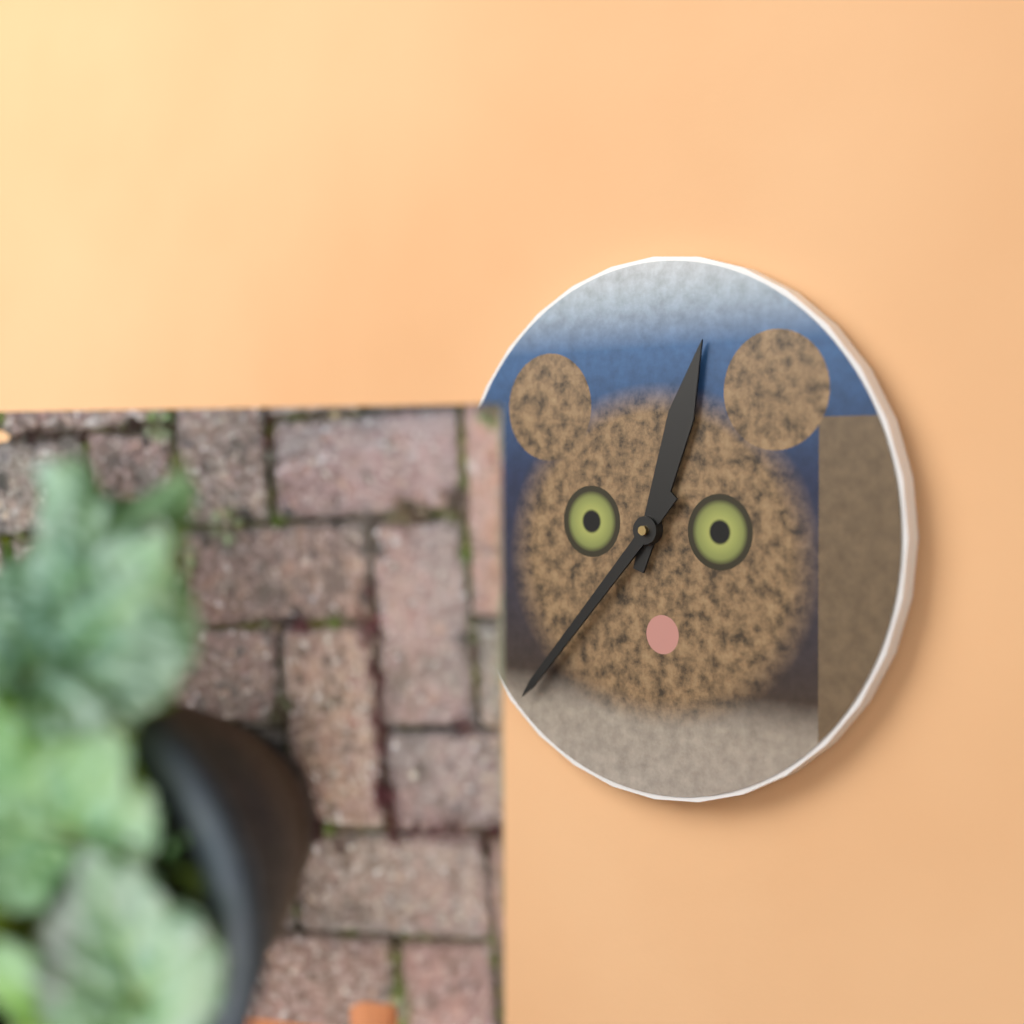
12 h 37 min
